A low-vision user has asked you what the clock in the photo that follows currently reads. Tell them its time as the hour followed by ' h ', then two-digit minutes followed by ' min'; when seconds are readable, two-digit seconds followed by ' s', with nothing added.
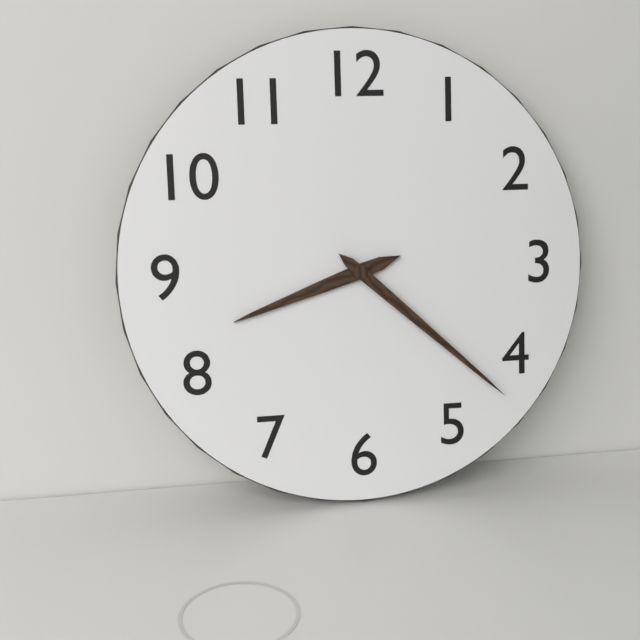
8 h 22 min
